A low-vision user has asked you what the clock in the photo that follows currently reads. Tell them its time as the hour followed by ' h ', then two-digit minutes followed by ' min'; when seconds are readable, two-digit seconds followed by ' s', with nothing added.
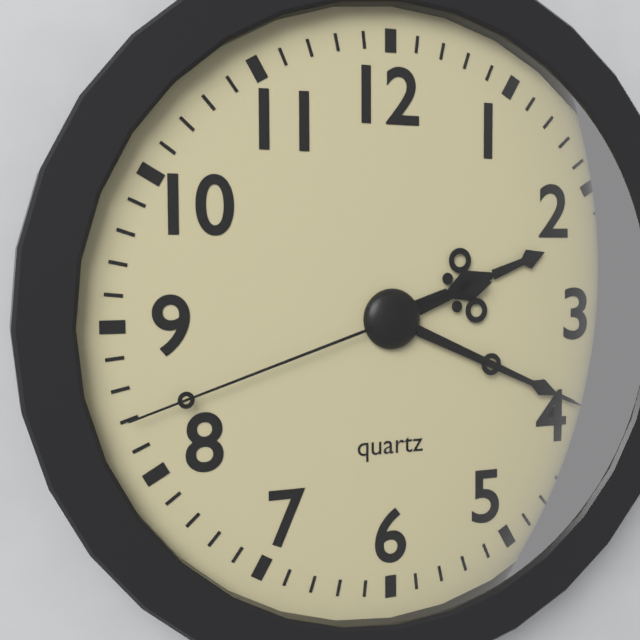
2 h 19 min 42 s
